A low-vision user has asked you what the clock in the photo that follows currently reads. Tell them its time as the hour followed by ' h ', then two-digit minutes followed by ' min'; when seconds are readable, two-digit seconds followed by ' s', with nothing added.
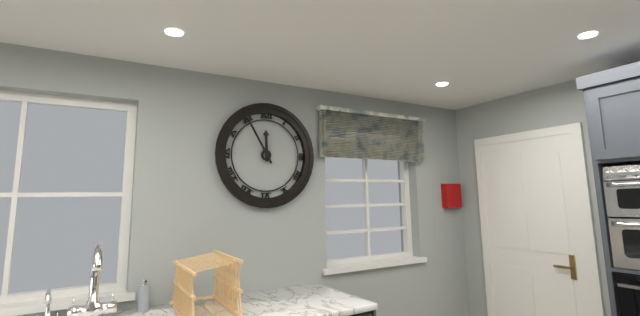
11 h 55 min
